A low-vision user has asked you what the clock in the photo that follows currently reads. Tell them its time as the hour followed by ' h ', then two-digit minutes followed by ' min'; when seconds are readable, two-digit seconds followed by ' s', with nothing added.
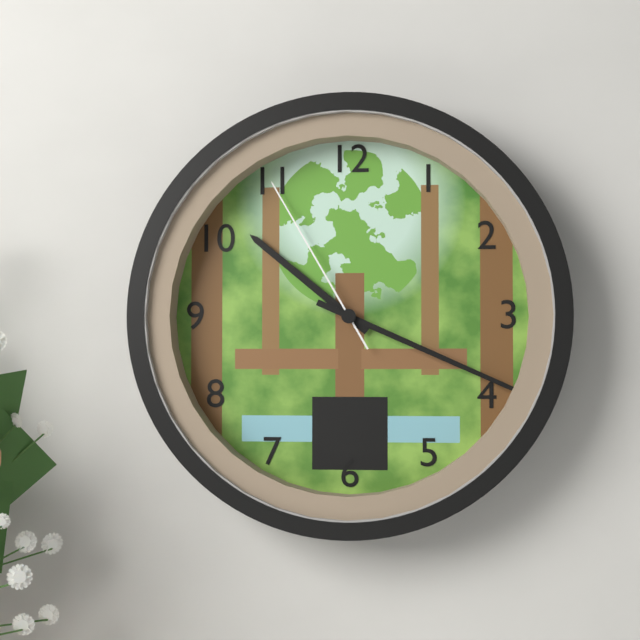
10 h 19 min 55 s
